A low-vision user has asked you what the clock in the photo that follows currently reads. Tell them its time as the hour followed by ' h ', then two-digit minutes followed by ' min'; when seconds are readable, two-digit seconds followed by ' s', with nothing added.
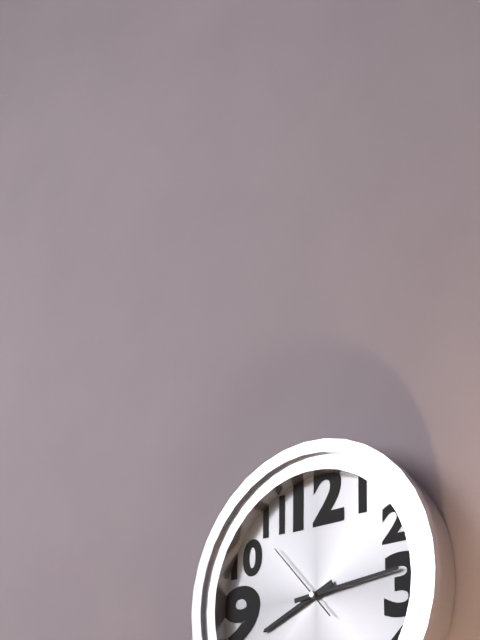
8 h 14 min 53 s
